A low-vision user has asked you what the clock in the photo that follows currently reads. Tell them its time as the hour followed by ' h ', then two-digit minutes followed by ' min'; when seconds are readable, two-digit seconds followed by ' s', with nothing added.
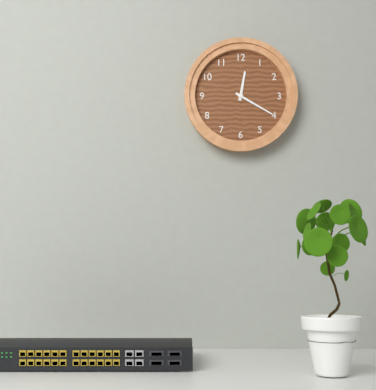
12 h 20 min
